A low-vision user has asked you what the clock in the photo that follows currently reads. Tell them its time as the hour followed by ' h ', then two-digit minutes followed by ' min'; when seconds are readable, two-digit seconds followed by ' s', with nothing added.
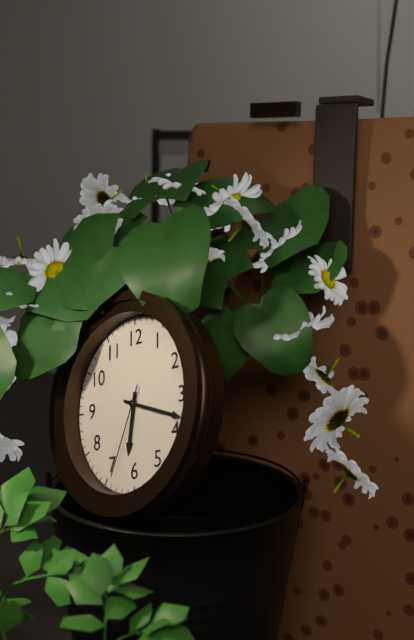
6 h 18 min 34 s
